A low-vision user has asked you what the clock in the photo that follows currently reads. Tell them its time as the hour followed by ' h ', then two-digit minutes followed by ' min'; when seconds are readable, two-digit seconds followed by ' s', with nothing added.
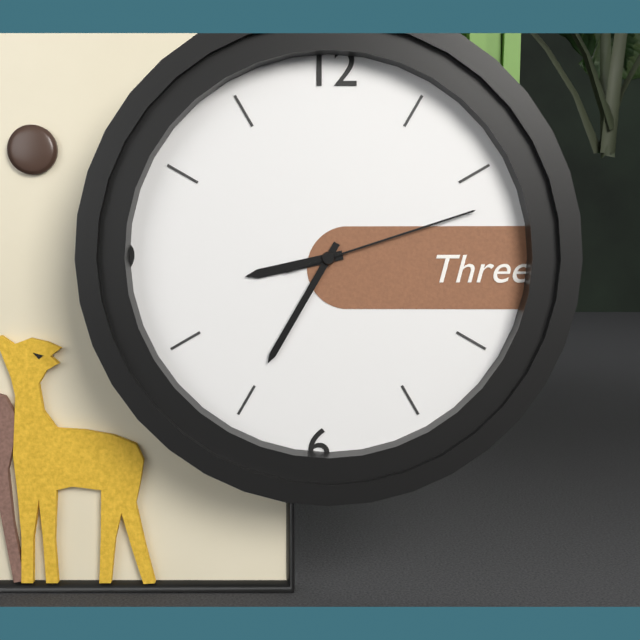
8 h 35 min 12 s
